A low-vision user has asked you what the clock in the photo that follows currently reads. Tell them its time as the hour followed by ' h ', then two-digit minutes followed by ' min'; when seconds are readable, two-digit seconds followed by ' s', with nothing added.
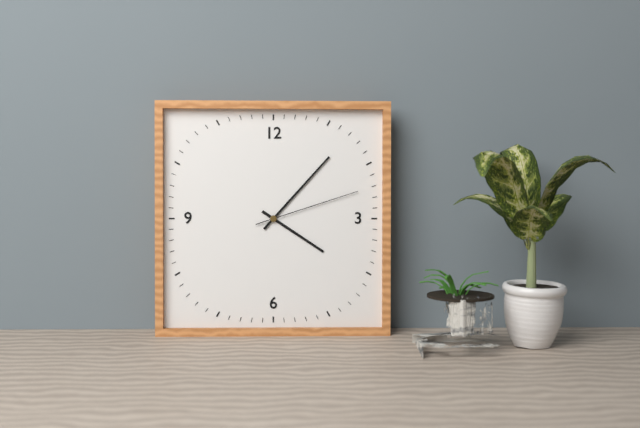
4 h 07 min 12 s
